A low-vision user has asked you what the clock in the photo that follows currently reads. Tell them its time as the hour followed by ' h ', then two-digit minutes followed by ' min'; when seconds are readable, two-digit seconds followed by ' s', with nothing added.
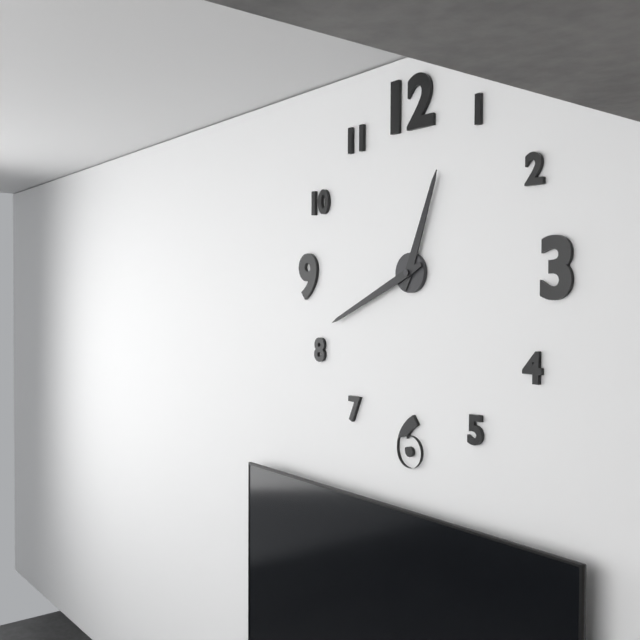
12 h 41 min
